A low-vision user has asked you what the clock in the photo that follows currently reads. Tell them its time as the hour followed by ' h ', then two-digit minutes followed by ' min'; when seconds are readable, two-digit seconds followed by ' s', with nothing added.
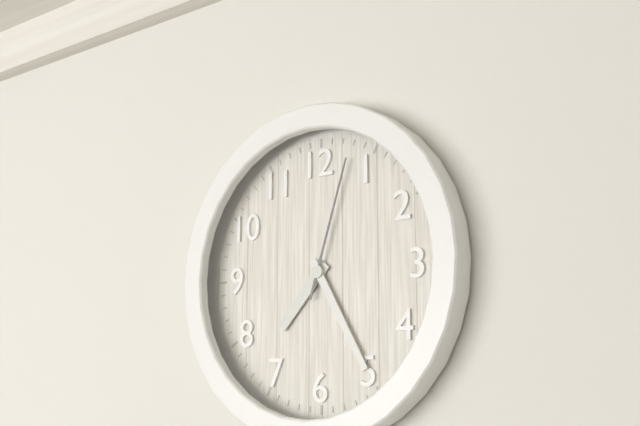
7 h 25 min 03 s
